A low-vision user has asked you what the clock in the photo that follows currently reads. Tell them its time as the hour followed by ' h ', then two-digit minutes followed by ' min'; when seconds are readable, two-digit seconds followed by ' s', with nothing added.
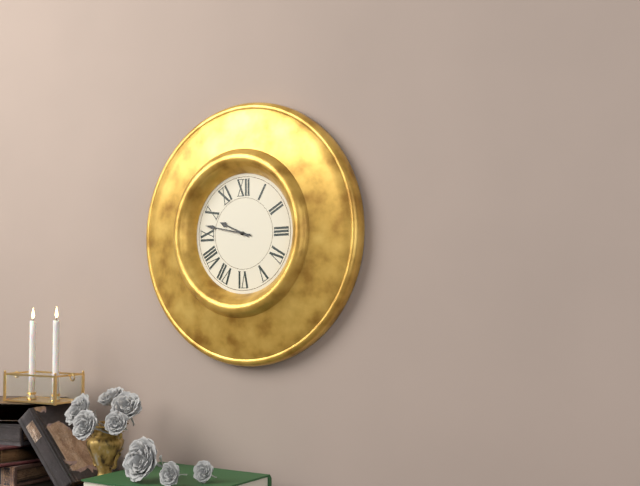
9 h 47 min
